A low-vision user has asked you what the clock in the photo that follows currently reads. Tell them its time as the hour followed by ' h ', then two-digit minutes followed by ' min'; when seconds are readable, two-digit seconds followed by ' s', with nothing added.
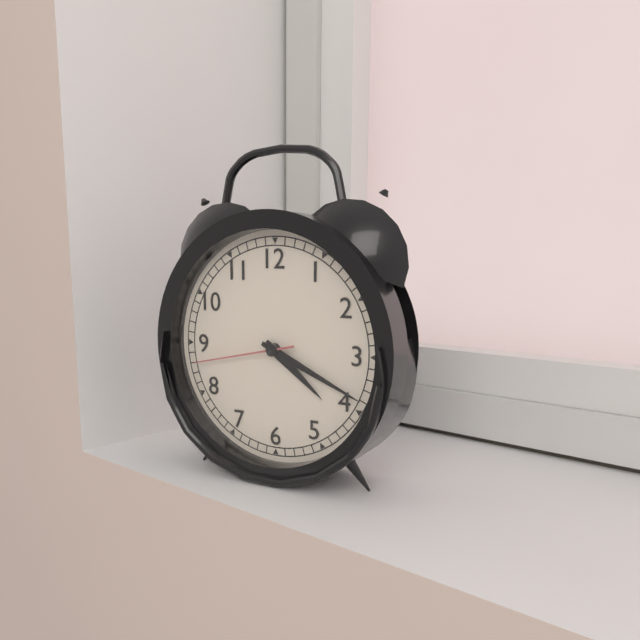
4 h 19 min 43 s
